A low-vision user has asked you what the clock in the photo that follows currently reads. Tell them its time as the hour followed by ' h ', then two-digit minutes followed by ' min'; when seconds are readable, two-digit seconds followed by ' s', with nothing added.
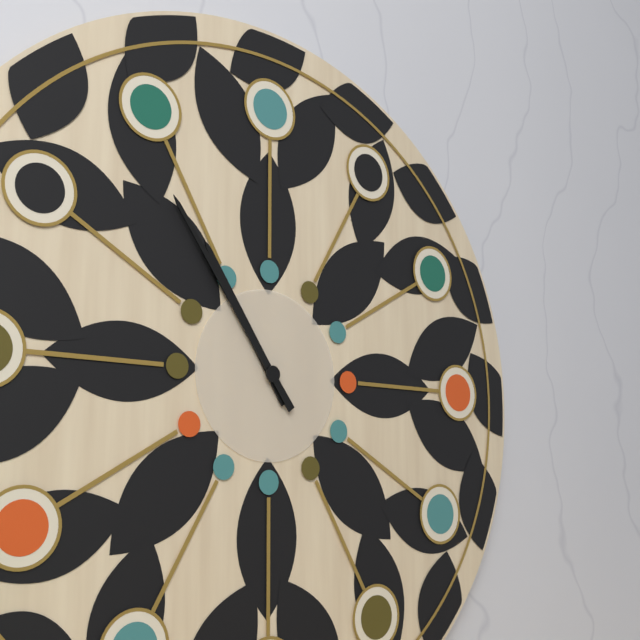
10 h 54 min
